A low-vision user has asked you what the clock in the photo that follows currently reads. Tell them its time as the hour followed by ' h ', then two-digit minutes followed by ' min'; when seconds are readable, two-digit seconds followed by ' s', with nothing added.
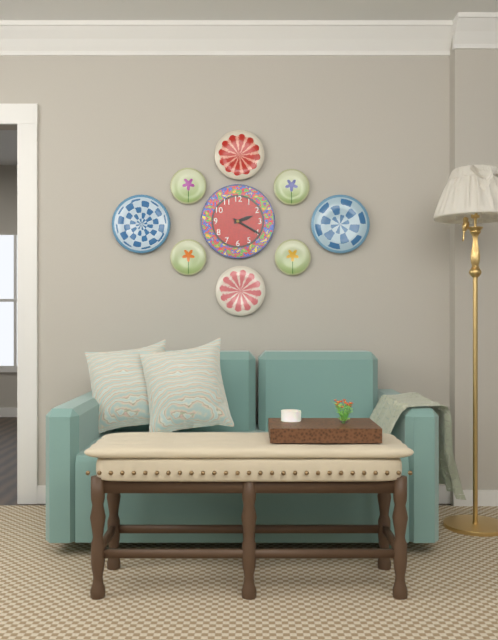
2 h 20 min
